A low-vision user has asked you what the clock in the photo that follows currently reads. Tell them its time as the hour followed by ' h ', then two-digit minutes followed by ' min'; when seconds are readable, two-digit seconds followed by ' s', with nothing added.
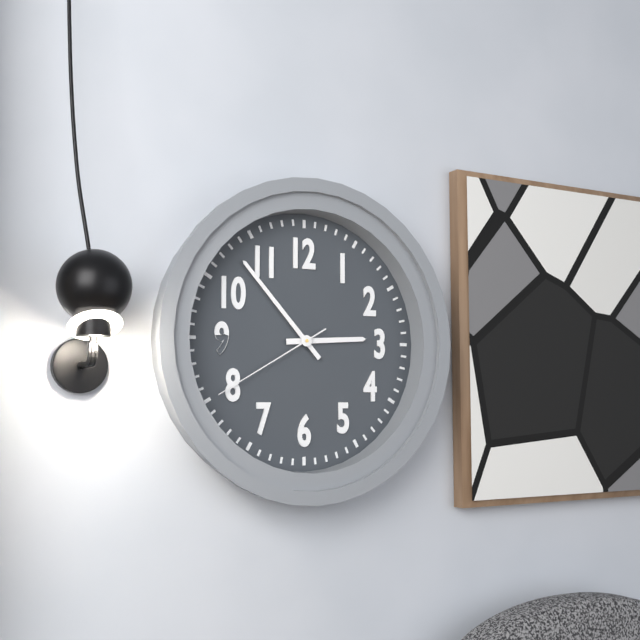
2 h 53 min 40 s
